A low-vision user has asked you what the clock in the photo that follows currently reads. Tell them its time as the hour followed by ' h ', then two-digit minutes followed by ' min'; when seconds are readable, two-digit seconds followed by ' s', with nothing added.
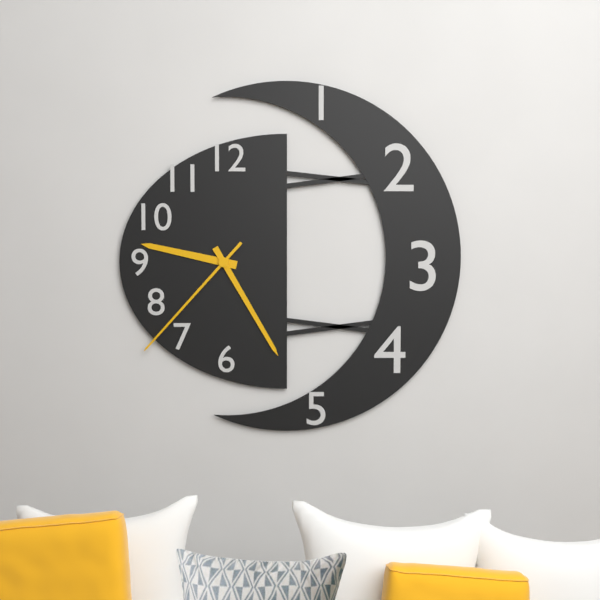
9 h 25 min 37 s
